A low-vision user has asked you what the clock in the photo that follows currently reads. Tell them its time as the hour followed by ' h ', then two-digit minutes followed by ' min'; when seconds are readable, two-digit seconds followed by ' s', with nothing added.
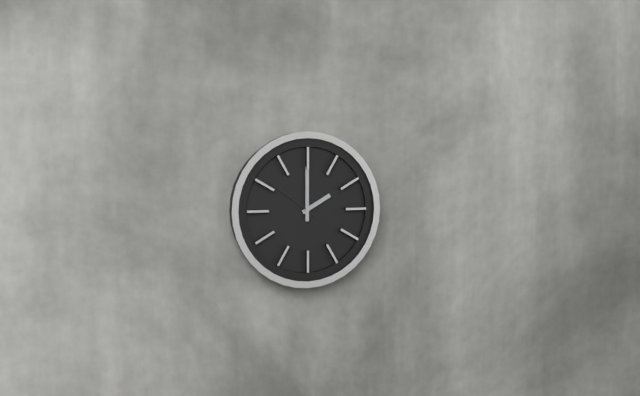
2 h 00 min 51 s
